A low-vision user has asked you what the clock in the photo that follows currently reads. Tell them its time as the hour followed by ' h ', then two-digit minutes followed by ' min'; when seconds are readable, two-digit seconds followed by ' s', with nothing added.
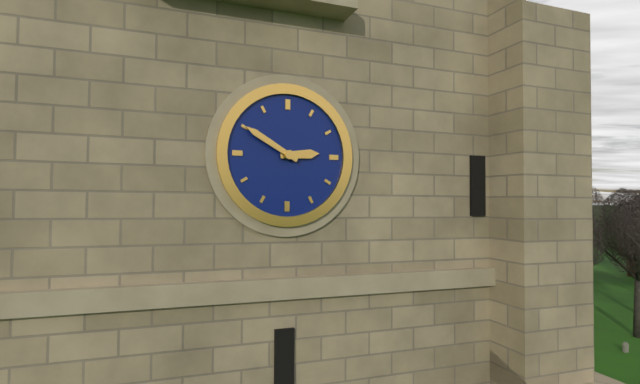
2 h 50 min
